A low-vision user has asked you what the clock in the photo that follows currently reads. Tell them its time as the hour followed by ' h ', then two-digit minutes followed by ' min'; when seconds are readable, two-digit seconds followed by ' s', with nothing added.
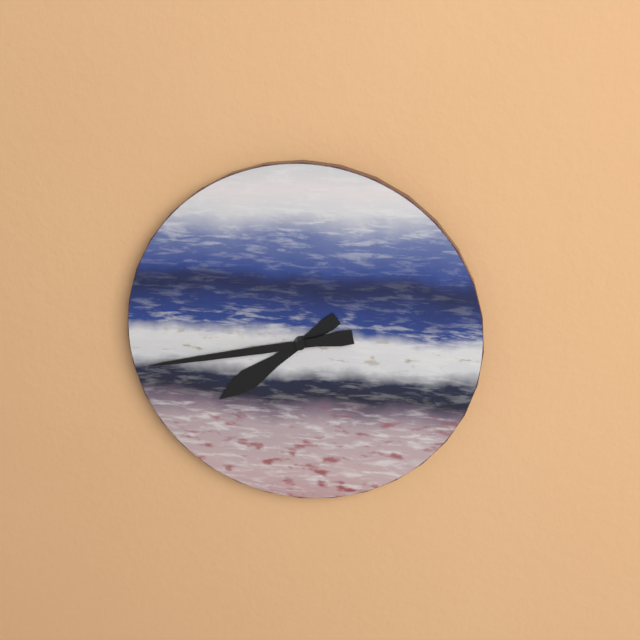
7 h 43 min
